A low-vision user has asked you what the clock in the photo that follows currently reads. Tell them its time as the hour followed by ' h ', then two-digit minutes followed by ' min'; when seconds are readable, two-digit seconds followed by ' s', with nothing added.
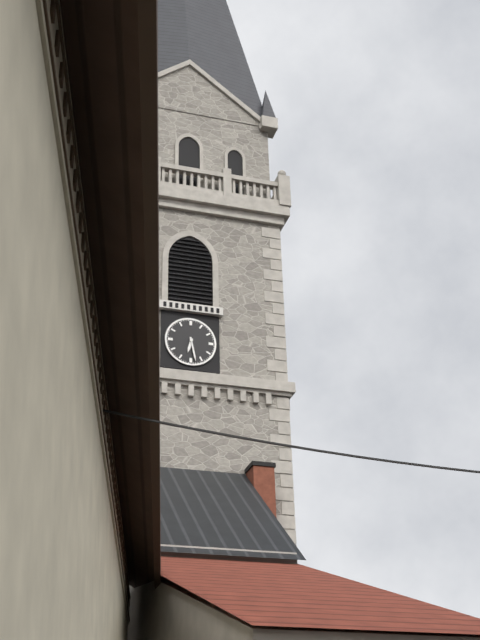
6 h 28 min
